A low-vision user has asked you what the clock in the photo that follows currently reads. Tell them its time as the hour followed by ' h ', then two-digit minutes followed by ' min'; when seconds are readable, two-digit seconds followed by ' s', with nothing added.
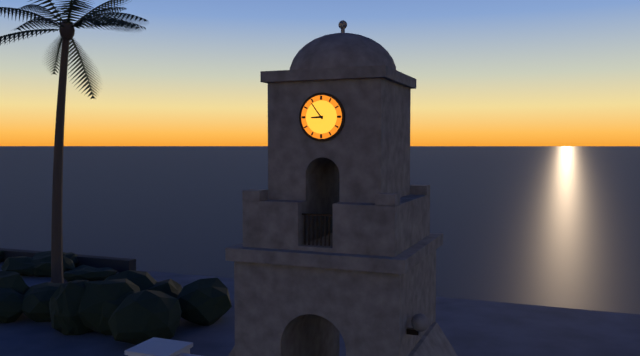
8 h 54 min
